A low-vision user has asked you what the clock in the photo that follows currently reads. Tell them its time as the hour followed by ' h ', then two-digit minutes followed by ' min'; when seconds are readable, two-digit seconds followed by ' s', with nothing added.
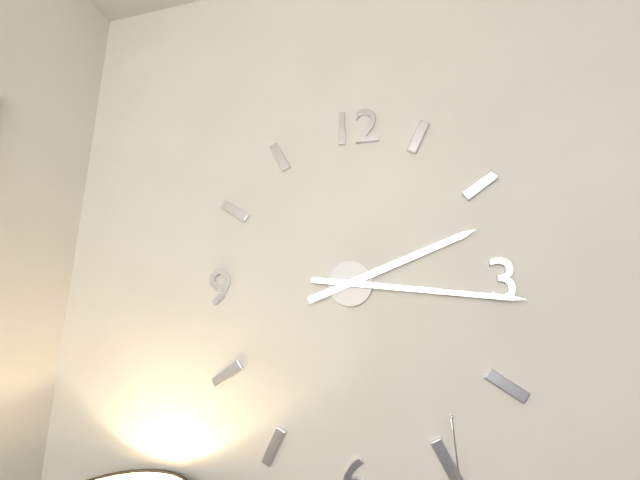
2 h 16 min
